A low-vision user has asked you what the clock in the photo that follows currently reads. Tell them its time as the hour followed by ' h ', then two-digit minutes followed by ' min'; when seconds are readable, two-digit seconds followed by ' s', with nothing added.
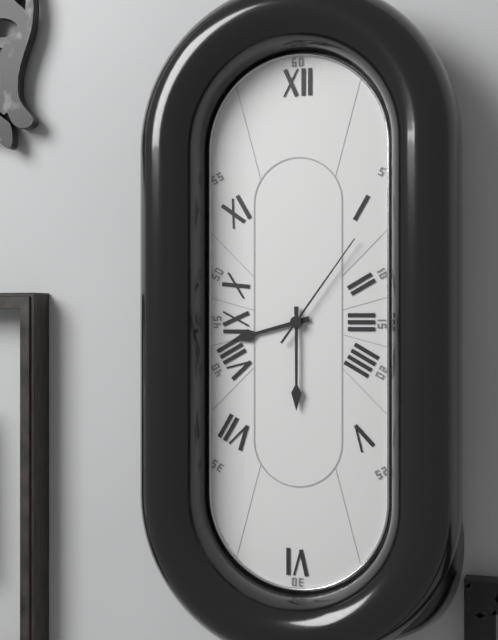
8 h 30 min 06 s
